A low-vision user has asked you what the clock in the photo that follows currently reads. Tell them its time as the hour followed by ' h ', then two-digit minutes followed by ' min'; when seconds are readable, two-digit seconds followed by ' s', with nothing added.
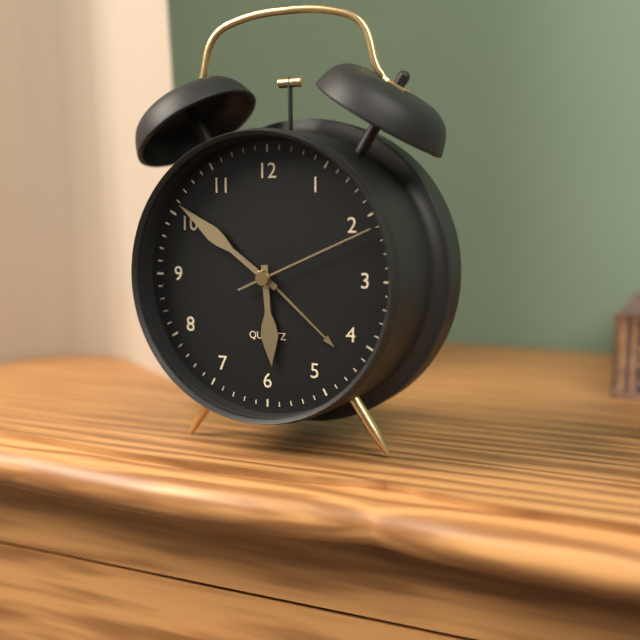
5 h 51 min 11 s
